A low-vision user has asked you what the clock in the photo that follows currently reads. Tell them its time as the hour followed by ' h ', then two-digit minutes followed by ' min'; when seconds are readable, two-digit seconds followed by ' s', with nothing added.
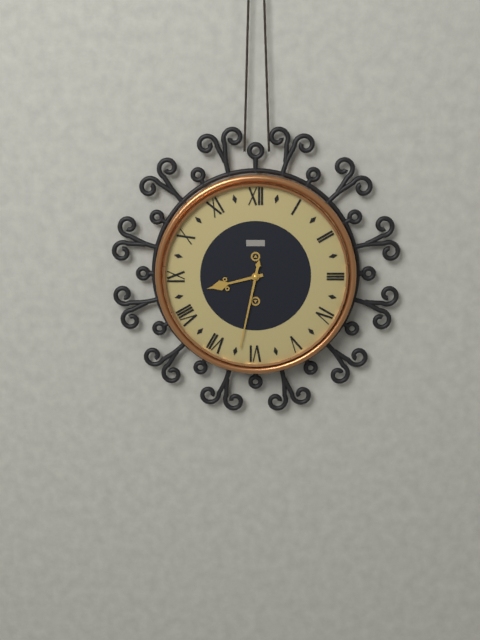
8 h 32 min
